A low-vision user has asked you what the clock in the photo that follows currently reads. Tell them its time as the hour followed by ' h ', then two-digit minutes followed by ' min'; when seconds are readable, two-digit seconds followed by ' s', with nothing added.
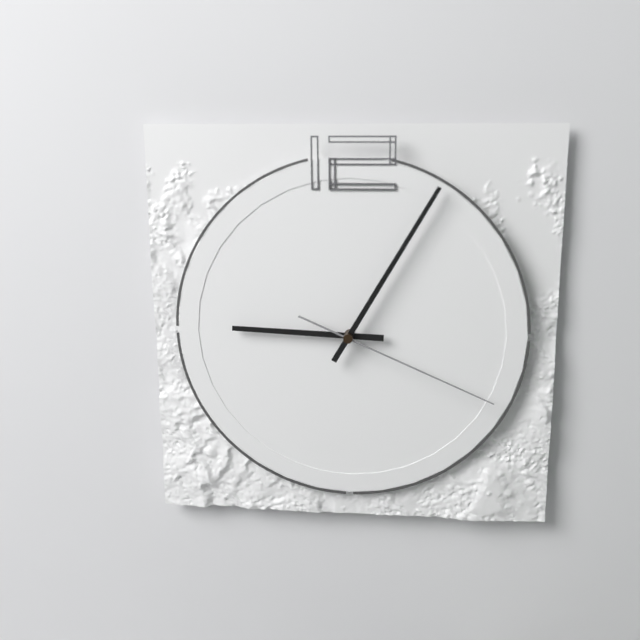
9 h 05 min 19 s
